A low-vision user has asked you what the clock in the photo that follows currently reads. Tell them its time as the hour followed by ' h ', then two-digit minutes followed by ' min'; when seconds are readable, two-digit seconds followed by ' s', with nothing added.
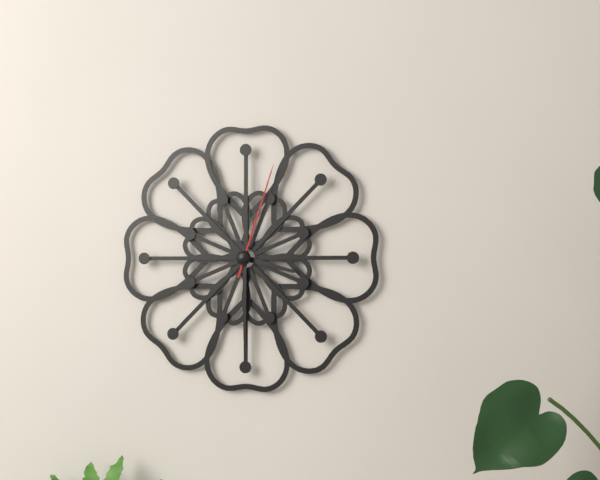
3 h 30 min 03 s
